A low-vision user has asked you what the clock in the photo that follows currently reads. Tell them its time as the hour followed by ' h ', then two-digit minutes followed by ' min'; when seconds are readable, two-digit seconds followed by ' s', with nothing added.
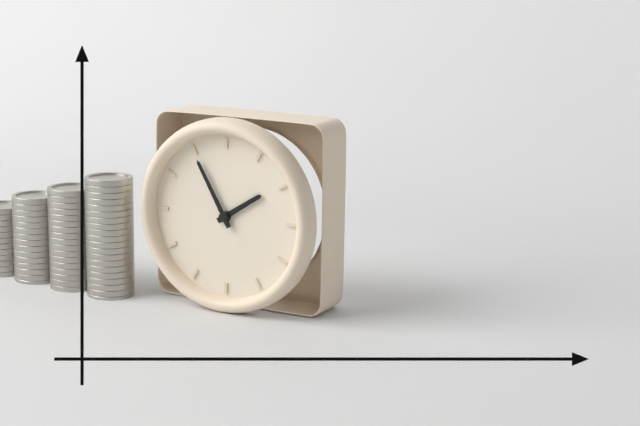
1 h 55 min
